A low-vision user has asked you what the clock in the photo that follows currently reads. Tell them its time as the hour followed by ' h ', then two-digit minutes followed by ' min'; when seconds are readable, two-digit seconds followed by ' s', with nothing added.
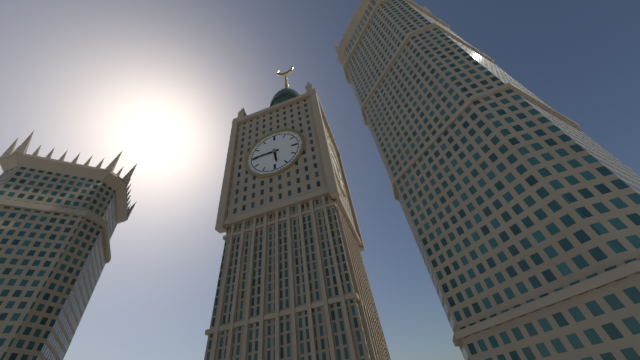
5 h 45 min
